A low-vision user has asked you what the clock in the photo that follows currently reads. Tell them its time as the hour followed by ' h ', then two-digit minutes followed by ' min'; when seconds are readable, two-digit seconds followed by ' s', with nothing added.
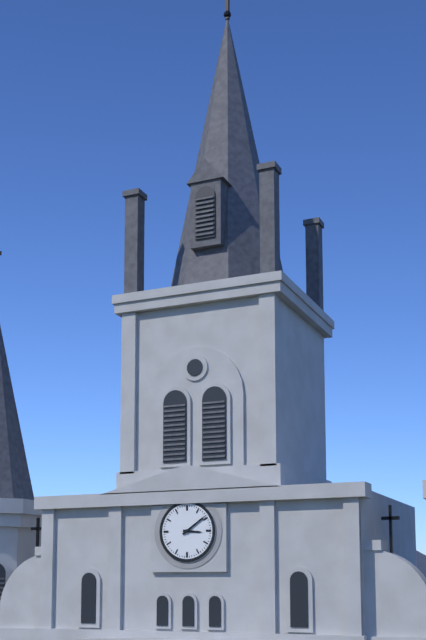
3 h 09 min
